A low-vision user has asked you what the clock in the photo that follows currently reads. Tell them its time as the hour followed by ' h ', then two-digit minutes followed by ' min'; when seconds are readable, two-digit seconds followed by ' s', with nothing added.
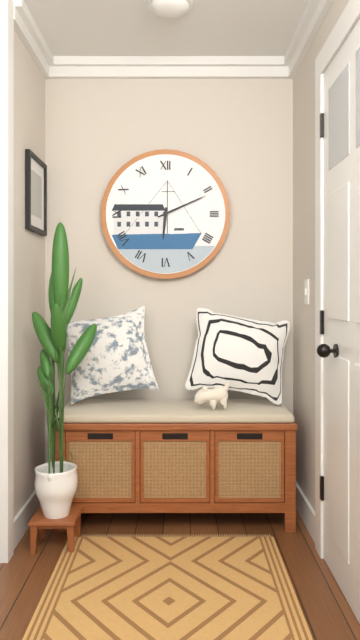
6 h 11 min
